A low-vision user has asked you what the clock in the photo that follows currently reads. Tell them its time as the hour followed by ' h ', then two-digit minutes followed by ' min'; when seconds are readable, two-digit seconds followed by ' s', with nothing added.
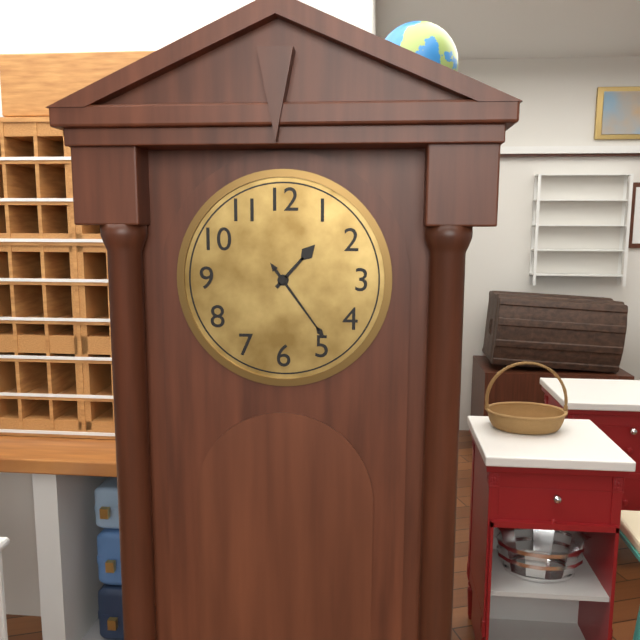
1 h 24 min
